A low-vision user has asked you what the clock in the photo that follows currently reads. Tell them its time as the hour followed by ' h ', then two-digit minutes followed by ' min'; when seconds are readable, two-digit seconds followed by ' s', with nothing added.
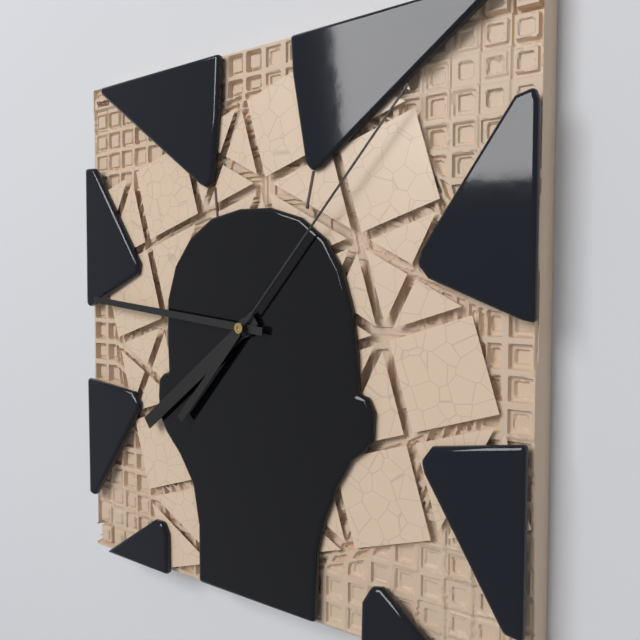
7 h 46 min 07 s
